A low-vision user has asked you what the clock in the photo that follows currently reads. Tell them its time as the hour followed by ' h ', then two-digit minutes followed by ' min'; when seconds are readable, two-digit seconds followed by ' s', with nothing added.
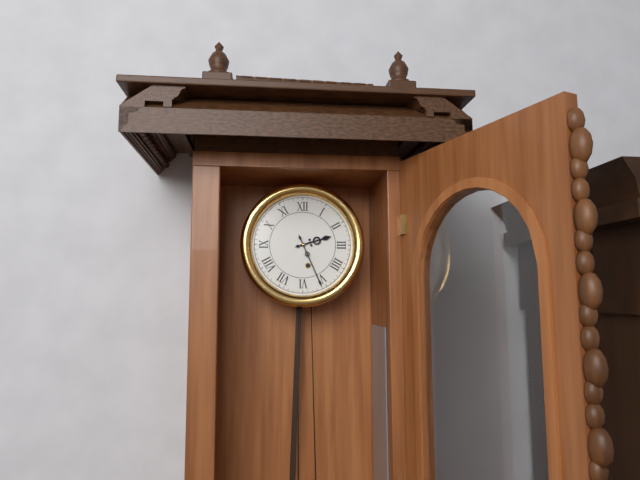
2 h 26 min
